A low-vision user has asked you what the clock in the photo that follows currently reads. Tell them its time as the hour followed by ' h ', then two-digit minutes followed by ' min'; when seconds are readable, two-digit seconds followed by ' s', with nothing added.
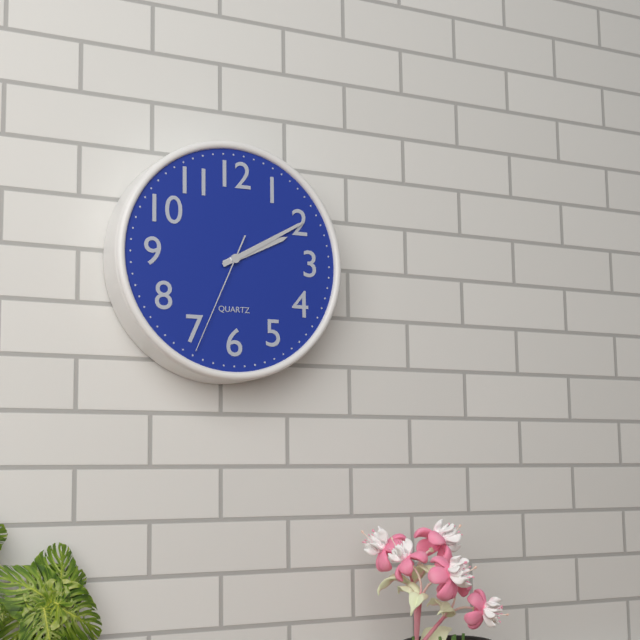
2 h 10 min 34 s
